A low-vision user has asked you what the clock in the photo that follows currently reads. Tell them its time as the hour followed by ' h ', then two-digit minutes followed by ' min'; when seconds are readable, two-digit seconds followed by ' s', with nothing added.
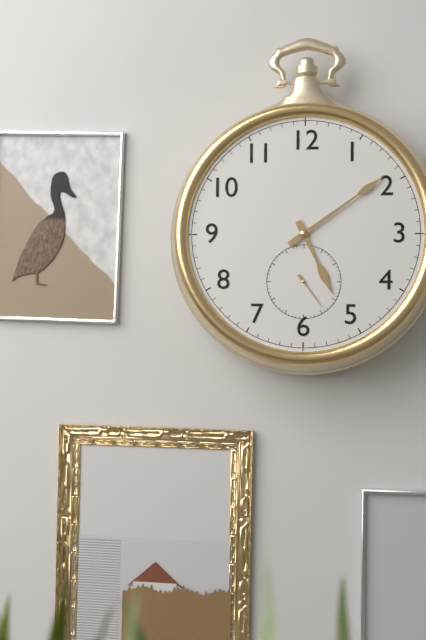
5 h 09 min
